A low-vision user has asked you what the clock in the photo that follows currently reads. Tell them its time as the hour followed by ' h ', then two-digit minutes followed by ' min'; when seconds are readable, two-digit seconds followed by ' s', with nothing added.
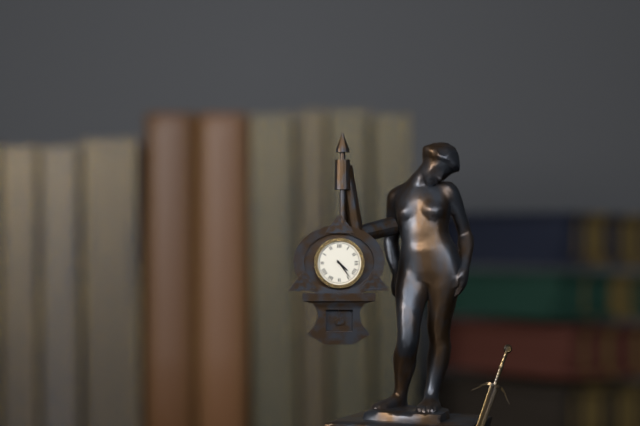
4 h 24 min
